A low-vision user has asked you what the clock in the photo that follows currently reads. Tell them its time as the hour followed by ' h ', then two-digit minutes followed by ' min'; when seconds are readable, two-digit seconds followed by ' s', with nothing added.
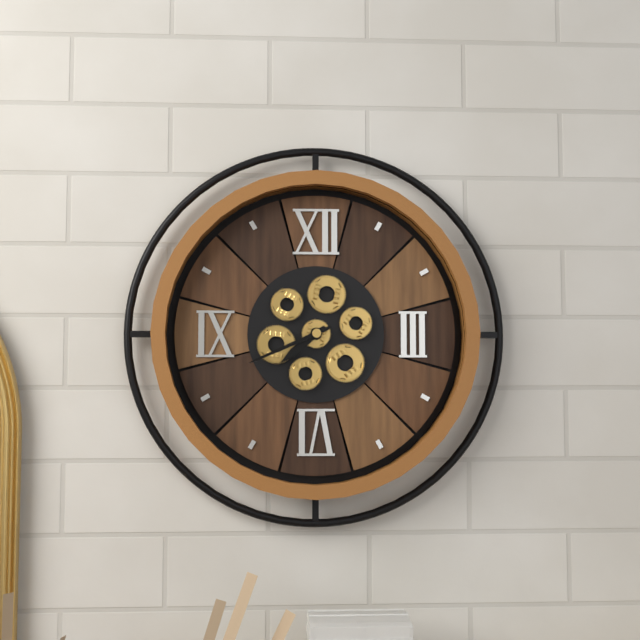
7 h 41 min
